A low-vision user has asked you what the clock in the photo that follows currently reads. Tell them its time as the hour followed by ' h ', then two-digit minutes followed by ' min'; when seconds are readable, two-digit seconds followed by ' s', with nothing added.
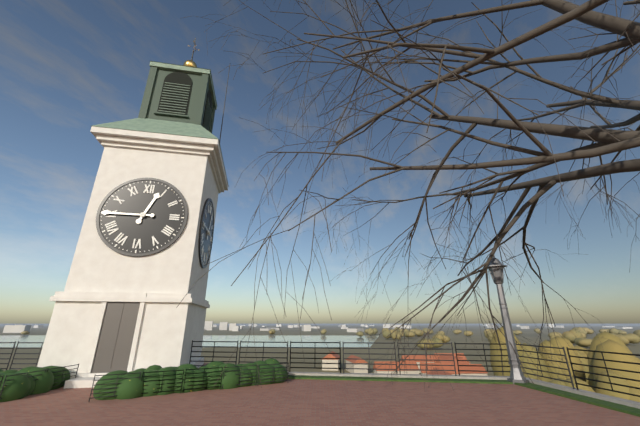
12 h 45 min
